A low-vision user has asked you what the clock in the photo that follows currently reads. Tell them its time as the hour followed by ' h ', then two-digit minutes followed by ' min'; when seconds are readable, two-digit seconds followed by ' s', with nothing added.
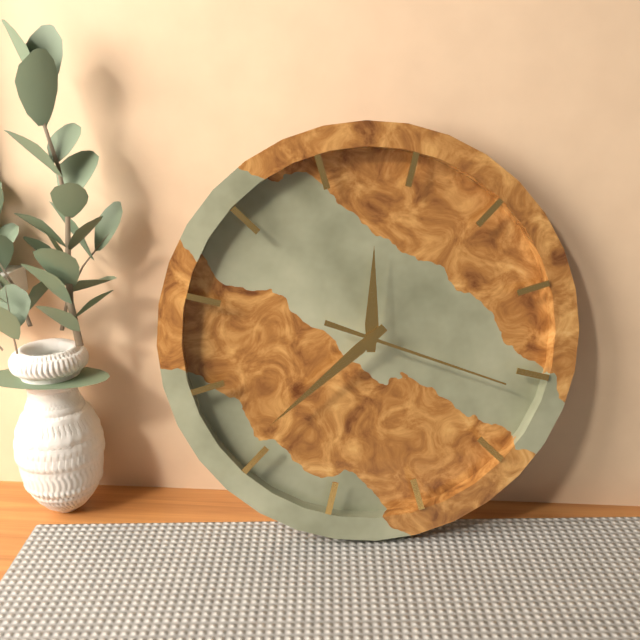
11 h 36 min 16 s
